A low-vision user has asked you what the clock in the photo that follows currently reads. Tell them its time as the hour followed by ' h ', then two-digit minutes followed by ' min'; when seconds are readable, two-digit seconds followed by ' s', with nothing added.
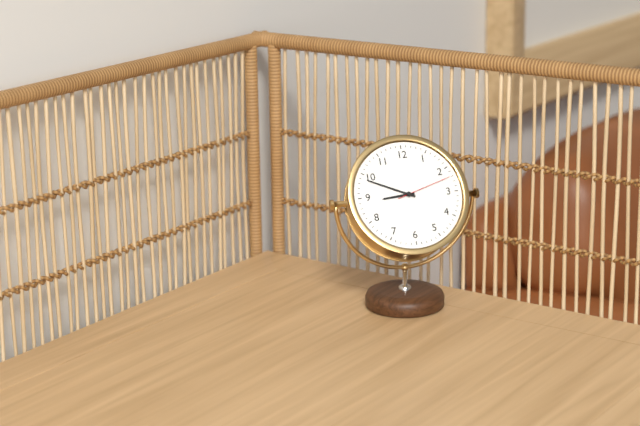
8 h 49 min 12 s
